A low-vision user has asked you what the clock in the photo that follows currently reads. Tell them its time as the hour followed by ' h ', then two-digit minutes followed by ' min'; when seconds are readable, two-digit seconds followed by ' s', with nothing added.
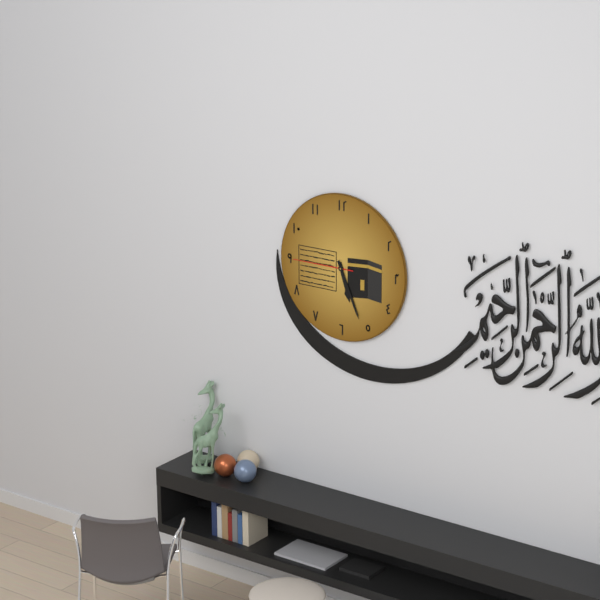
5 h 26 min 45 s
